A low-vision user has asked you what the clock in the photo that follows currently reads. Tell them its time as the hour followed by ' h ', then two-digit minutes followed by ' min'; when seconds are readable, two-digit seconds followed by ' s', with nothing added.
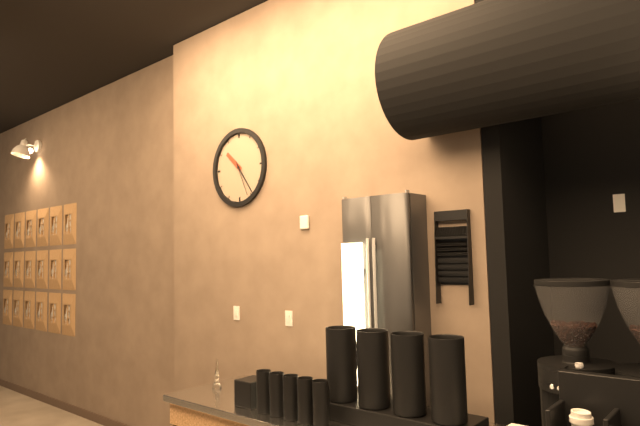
10 h 24 min
